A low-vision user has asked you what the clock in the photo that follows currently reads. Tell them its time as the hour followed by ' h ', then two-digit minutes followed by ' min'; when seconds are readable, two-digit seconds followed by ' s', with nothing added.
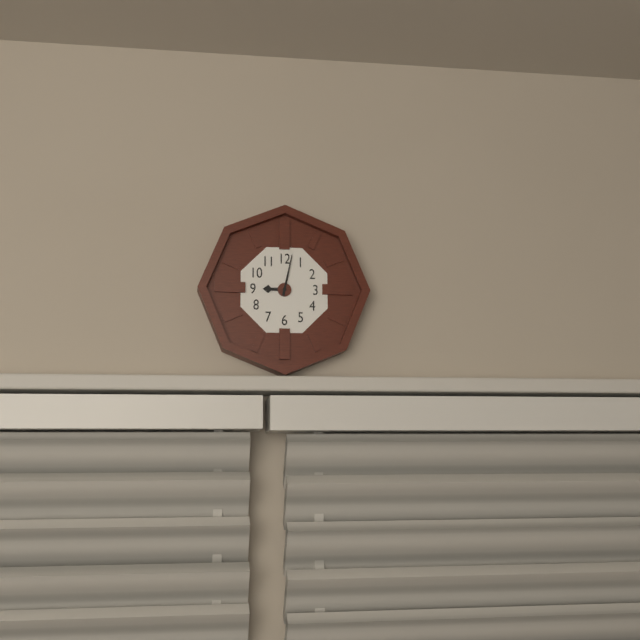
9 h 02 min
